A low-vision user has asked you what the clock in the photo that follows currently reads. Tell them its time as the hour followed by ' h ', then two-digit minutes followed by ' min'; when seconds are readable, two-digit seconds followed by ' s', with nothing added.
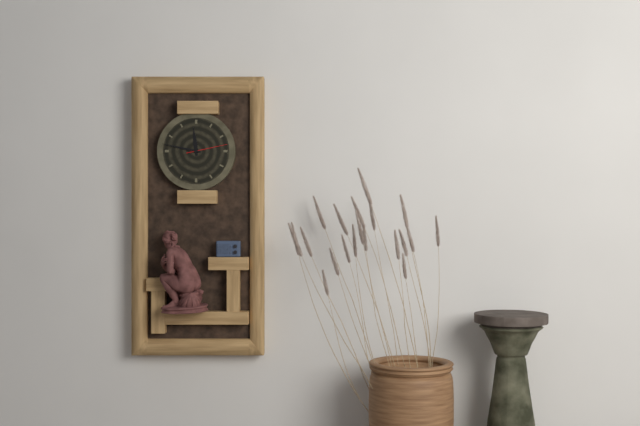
11 h 47 min
